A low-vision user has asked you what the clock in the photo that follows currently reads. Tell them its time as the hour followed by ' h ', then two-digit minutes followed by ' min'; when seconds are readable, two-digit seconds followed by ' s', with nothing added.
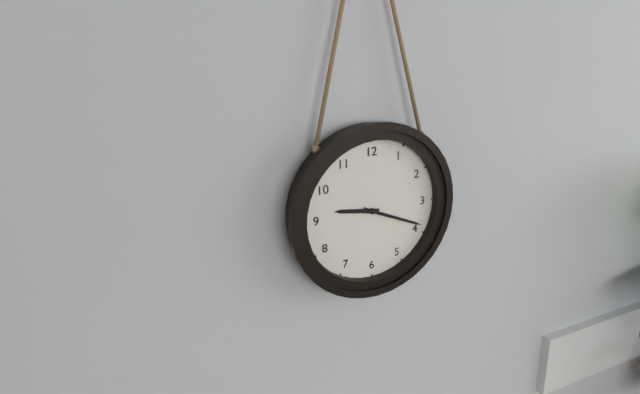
9 h 19 min
